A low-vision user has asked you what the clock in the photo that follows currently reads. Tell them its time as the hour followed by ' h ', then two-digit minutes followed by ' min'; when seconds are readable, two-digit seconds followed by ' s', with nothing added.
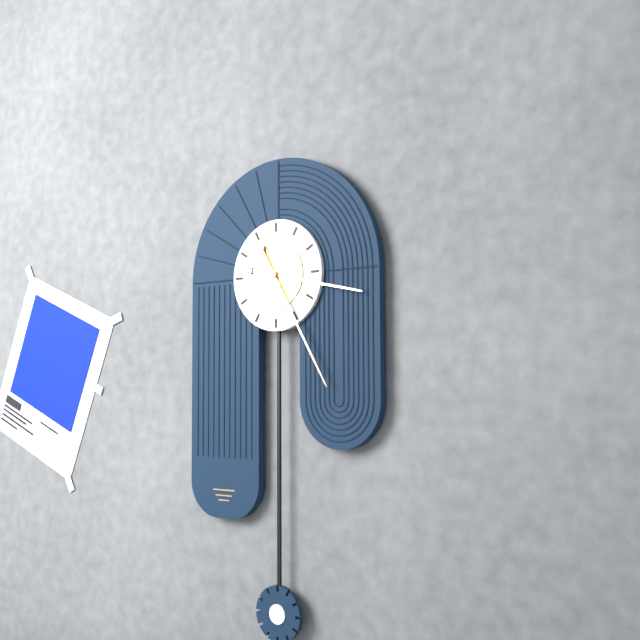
3 h 25 min
